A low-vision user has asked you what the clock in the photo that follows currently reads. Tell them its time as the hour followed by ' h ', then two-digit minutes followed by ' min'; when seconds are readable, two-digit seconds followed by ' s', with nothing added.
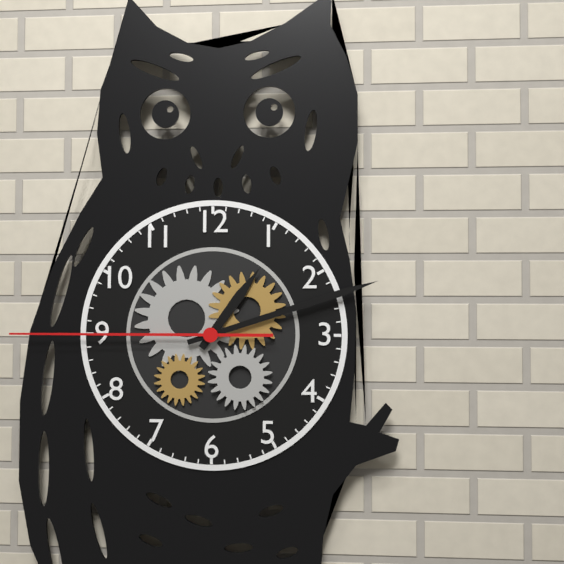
1 h 12 min 45 s
